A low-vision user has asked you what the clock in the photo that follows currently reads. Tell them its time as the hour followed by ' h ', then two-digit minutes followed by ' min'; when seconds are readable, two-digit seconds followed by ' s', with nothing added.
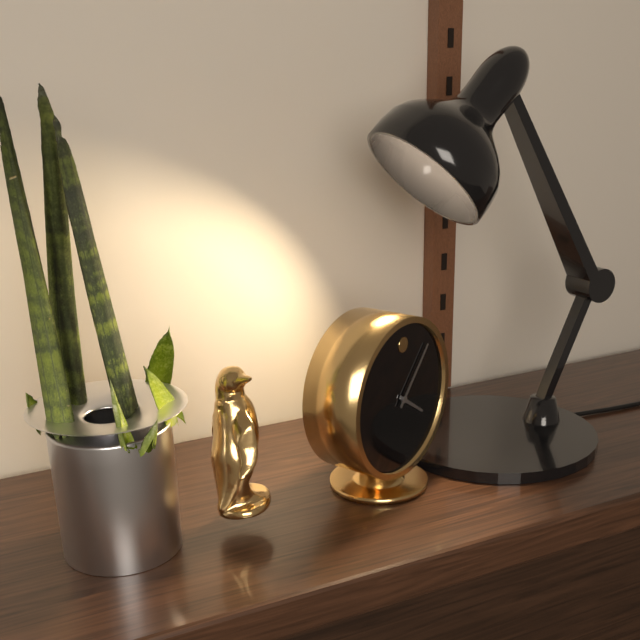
4 h 07 min
